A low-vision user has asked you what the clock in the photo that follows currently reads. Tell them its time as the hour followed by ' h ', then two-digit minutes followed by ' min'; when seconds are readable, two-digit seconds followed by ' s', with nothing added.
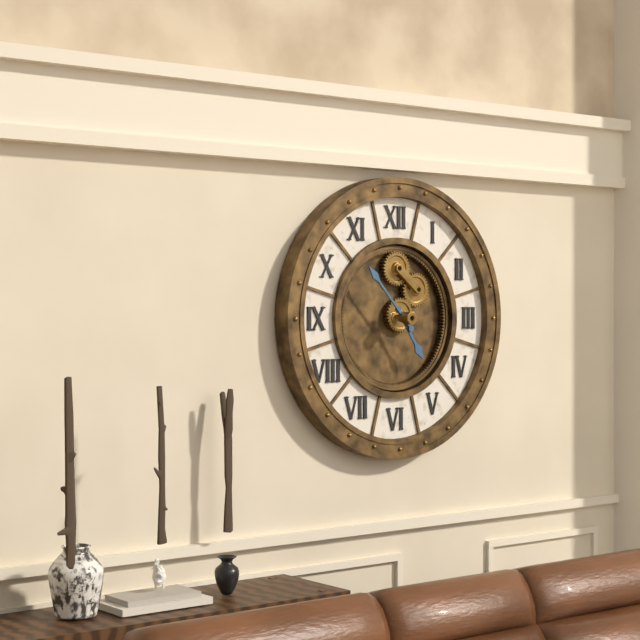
4 h 53 min
